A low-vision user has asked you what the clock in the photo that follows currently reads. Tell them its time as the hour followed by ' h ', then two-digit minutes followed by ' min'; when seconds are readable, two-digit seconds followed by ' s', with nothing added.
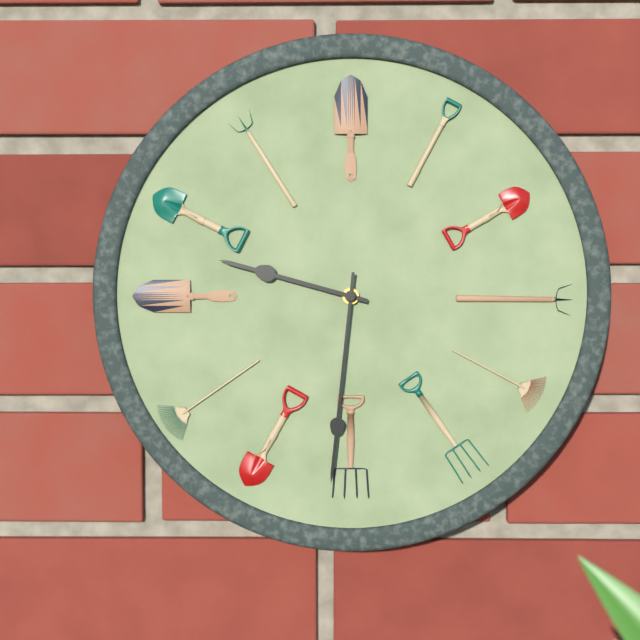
9 h 31 min
